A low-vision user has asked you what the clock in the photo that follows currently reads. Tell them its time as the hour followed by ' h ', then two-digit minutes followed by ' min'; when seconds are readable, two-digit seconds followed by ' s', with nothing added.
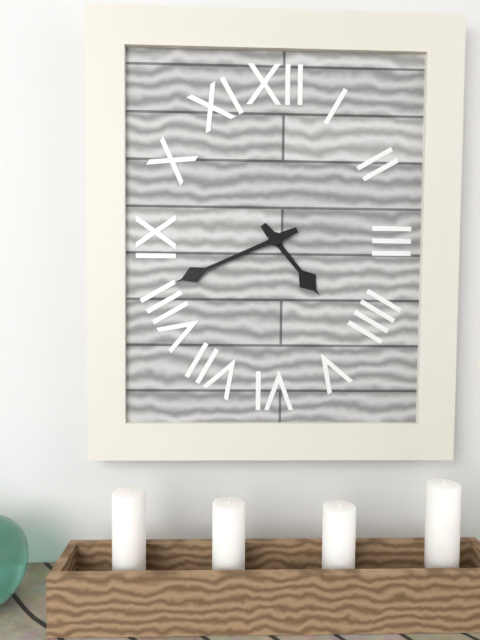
4 h 41 min
